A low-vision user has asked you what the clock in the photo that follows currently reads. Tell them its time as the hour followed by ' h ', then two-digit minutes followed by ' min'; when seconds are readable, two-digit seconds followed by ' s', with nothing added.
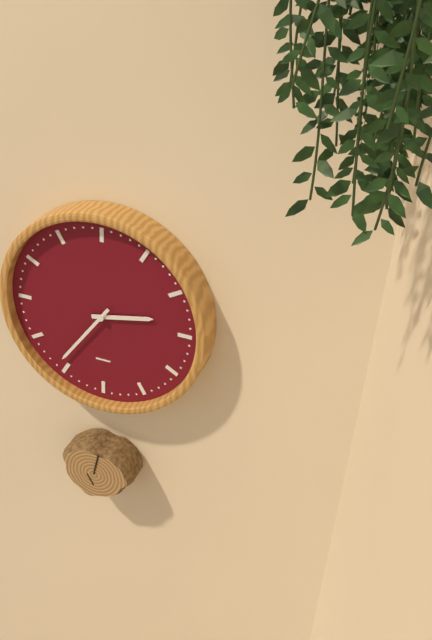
2 h 36 min
